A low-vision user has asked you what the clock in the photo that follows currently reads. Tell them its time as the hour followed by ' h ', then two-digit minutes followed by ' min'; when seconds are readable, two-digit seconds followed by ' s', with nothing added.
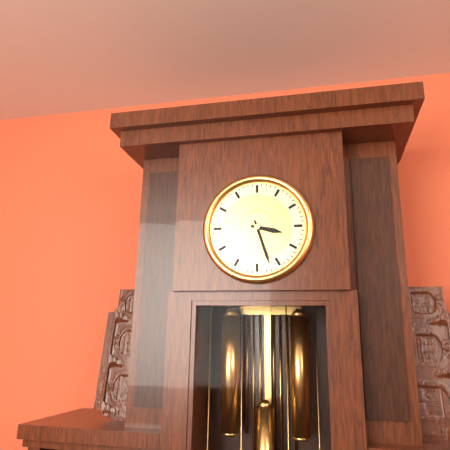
3 h 27 min
